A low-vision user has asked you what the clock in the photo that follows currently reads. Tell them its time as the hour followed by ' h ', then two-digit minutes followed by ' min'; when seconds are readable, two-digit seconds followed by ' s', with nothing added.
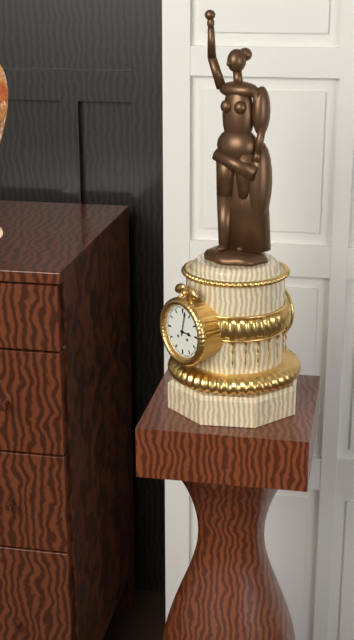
3 h 02 min
